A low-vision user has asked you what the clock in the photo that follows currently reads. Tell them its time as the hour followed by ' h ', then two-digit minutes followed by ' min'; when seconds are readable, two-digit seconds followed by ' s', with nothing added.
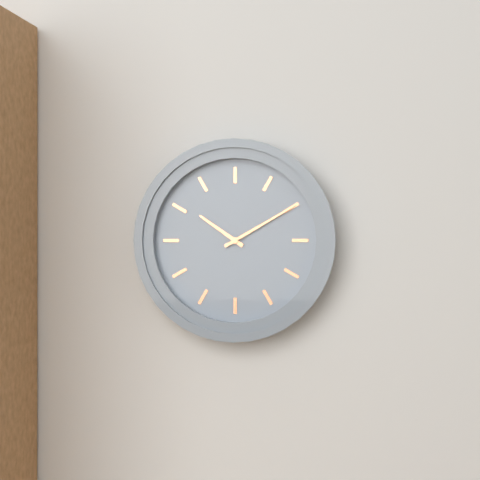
10 h 10 min
